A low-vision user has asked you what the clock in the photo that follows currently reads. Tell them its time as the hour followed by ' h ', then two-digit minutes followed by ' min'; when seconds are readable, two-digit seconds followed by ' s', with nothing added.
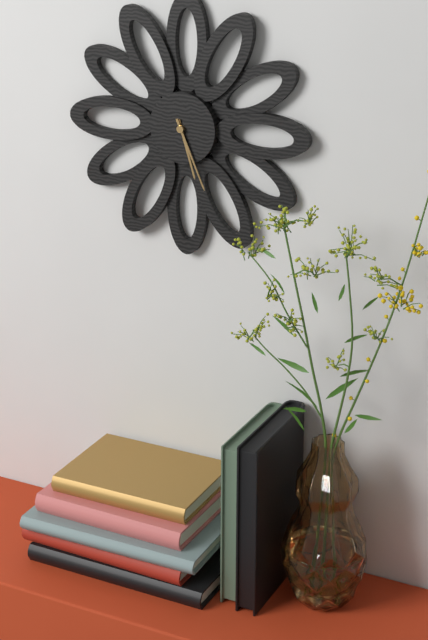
5 h 26 min
